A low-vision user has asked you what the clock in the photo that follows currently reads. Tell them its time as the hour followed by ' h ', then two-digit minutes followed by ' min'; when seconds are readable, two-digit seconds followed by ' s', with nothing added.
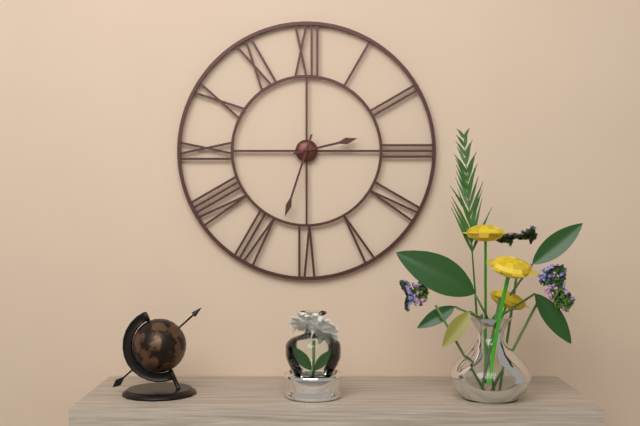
2 h 33 min
